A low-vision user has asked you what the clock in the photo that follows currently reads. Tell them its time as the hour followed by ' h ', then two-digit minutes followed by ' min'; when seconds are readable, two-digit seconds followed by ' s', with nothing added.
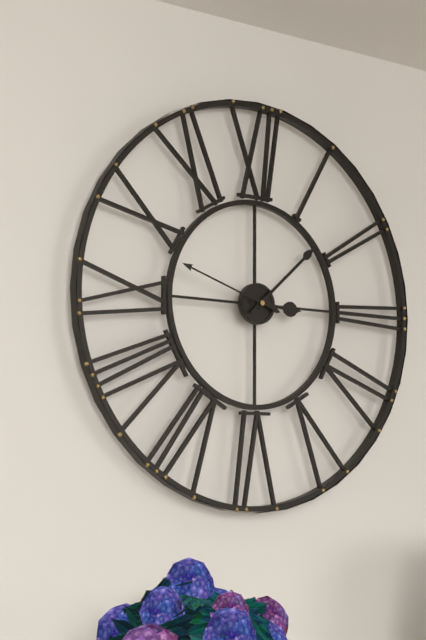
3 h 08 min 48 s
